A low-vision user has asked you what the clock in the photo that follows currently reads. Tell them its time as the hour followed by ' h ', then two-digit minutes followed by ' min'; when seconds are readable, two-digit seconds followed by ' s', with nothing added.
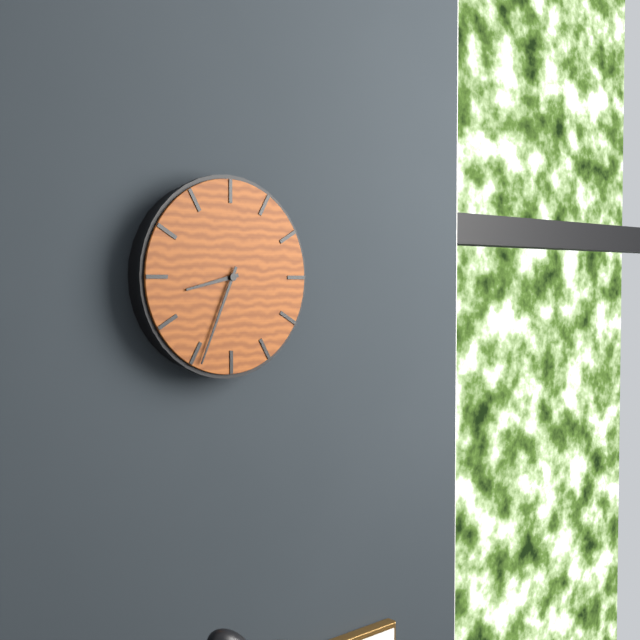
8 h 34 min
